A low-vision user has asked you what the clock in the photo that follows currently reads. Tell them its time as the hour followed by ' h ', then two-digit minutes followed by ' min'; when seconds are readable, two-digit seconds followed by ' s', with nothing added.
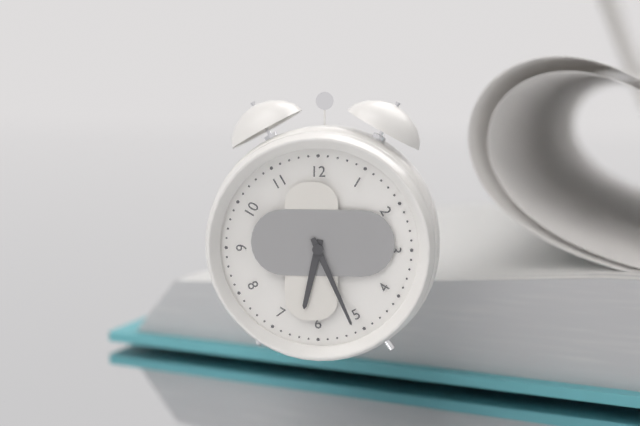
6 h 26 min
